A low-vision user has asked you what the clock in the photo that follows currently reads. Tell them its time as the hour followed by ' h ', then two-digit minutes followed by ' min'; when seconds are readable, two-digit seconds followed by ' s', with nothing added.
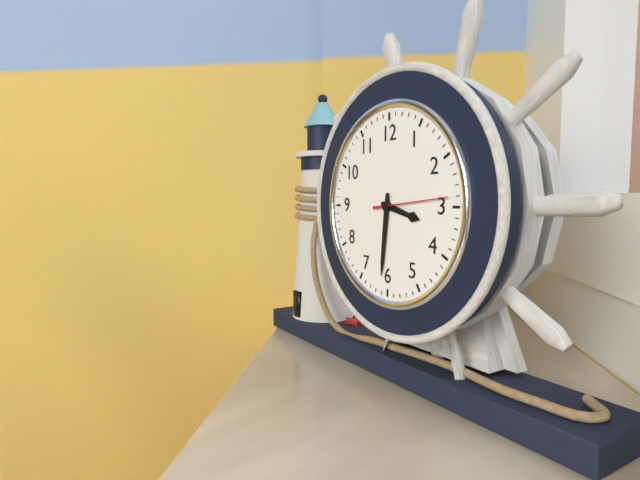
3 h 31 min 14 s
